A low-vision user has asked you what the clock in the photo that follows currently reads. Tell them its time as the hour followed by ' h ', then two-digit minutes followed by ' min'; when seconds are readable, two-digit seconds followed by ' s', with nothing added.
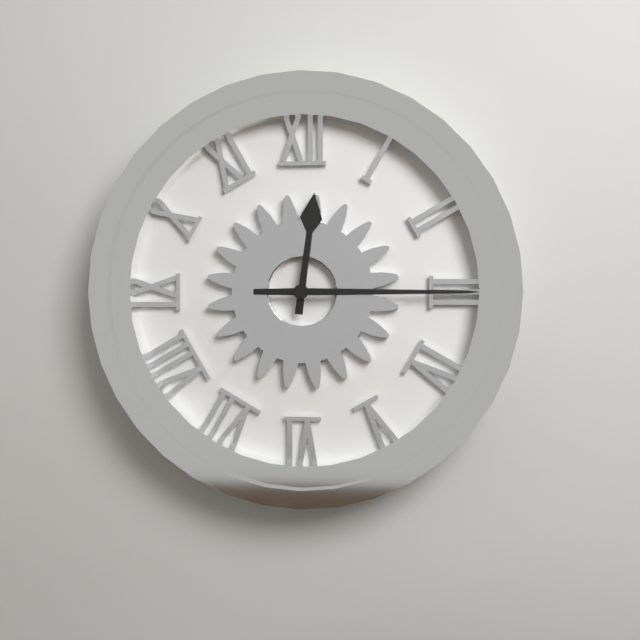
12 h 15 min
